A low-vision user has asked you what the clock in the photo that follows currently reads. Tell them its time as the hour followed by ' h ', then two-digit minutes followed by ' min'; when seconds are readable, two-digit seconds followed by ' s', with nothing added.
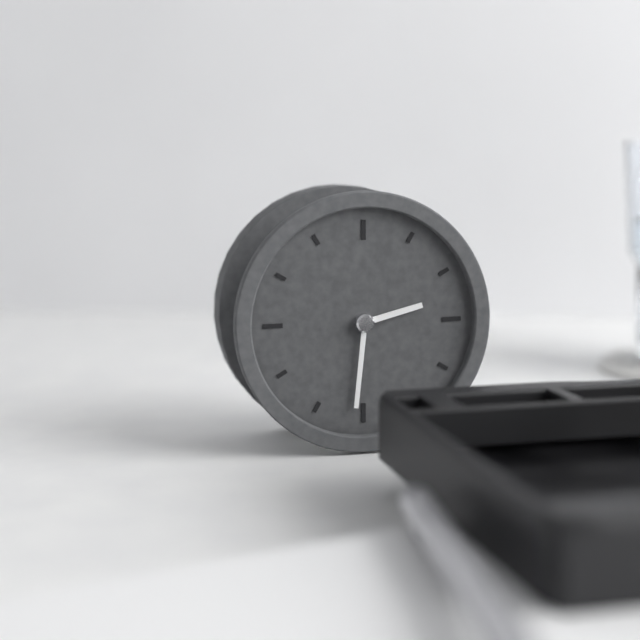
2 h 31 min
